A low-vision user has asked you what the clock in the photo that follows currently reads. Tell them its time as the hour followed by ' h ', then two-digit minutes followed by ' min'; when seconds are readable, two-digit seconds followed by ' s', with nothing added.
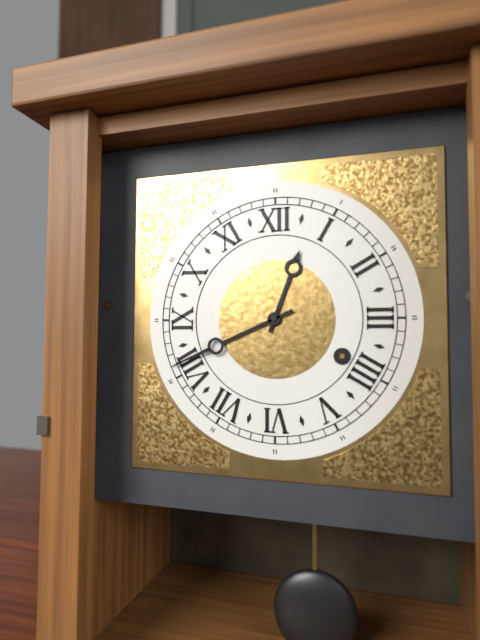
12 h 41 min
